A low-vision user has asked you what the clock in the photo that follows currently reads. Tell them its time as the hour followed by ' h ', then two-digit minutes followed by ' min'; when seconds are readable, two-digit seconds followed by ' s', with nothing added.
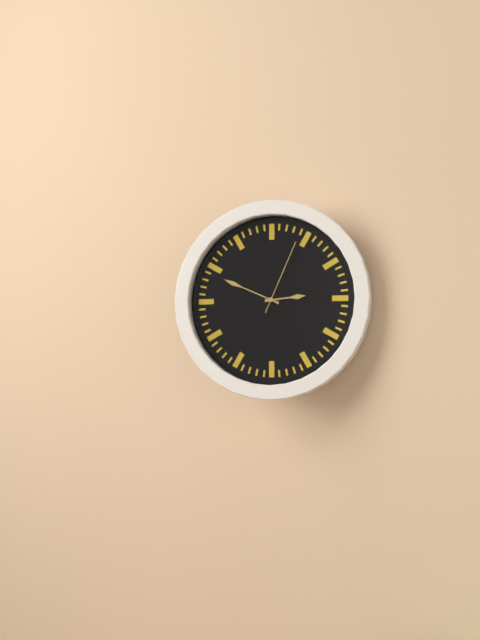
2 h 49 min 04 s
